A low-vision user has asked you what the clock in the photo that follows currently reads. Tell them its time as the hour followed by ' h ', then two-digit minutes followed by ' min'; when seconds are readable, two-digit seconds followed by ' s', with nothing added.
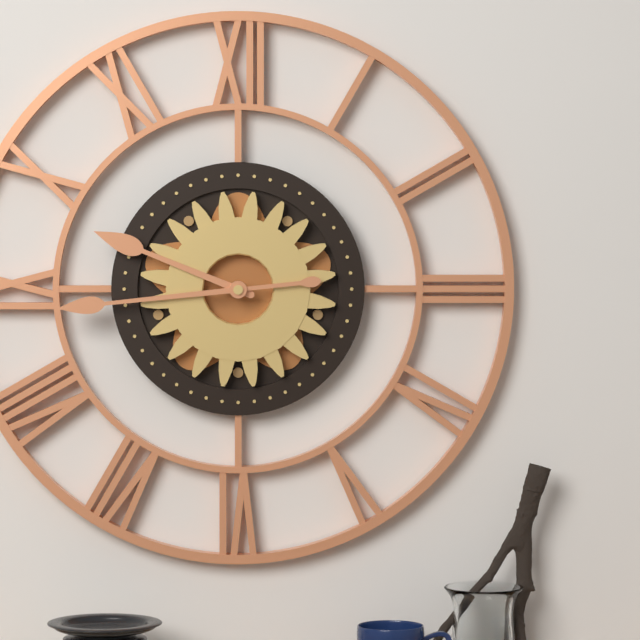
9 h 44 min
